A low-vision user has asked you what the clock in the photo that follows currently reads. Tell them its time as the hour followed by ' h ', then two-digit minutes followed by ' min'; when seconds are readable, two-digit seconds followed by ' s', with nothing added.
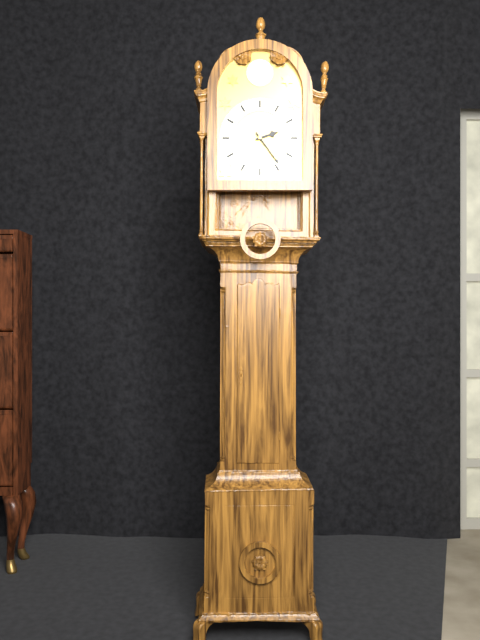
2 h 24 min
